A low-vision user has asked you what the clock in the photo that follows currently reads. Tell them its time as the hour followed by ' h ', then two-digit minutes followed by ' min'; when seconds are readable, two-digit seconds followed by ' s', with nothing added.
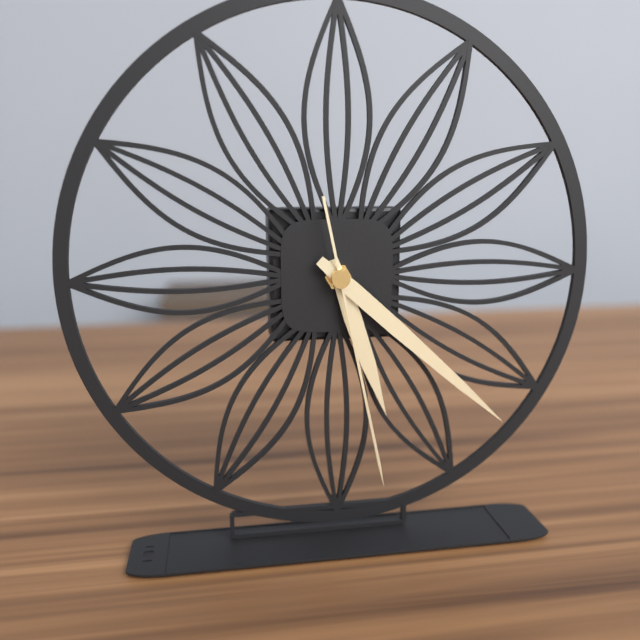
5 h 22 min 28 s
